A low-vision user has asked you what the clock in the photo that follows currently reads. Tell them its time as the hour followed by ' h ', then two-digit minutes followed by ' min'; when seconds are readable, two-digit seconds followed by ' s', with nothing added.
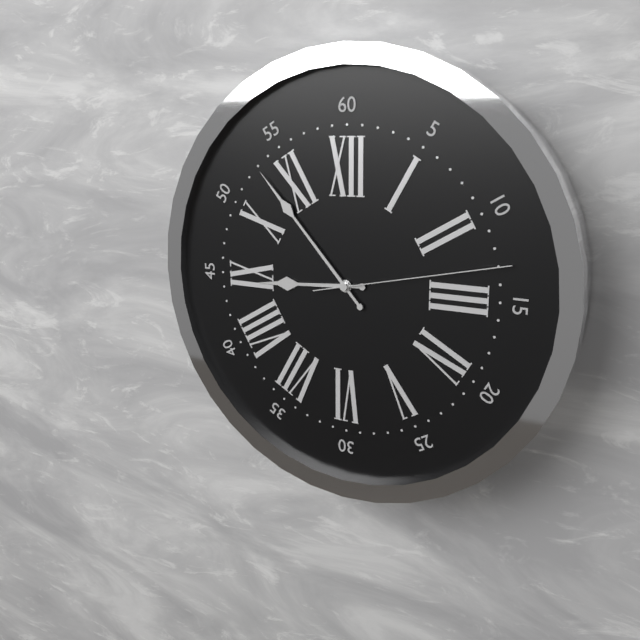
8 h 53 min 13 s
